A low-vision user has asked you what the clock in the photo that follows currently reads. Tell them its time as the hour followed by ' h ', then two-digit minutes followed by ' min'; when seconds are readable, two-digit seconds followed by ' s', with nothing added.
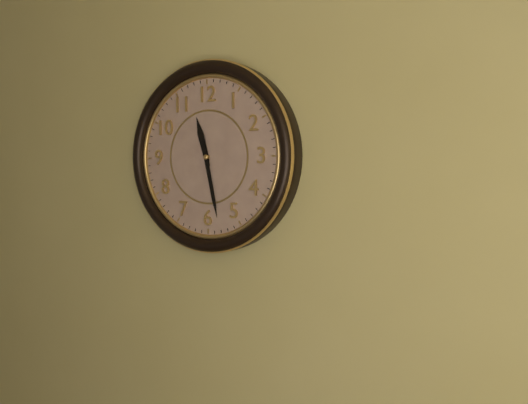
11 h 28 min
